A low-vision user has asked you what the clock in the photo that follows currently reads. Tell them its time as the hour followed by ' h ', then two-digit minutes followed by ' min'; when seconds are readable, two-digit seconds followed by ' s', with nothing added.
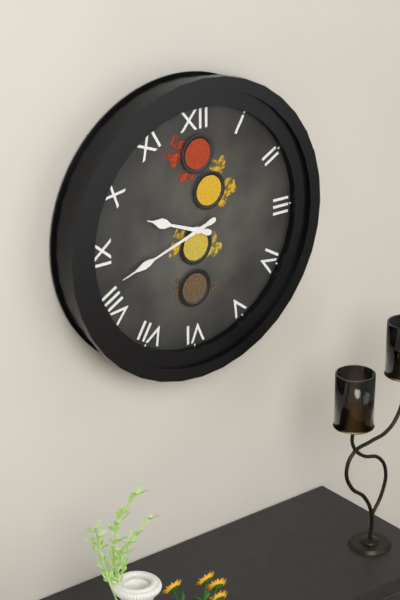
9 h 42 min
